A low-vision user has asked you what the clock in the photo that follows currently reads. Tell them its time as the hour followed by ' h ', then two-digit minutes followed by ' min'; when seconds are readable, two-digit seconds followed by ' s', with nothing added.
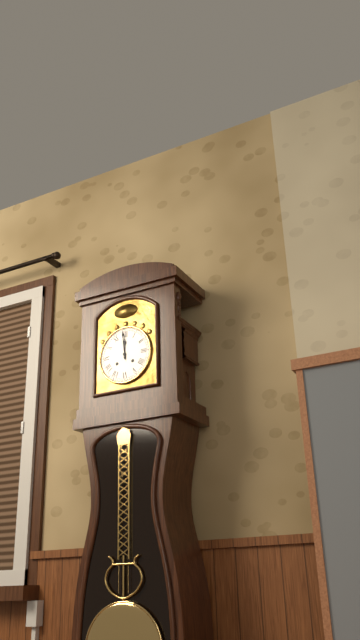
11 h 59 min
